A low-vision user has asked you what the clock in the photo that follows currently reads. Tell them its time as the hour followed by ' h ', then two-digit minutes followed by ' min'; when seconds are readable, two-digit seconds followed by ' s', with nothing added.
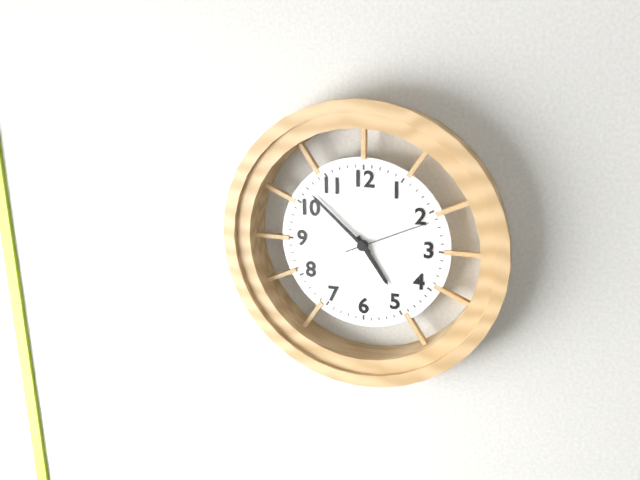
4 h 52 min 11 s
